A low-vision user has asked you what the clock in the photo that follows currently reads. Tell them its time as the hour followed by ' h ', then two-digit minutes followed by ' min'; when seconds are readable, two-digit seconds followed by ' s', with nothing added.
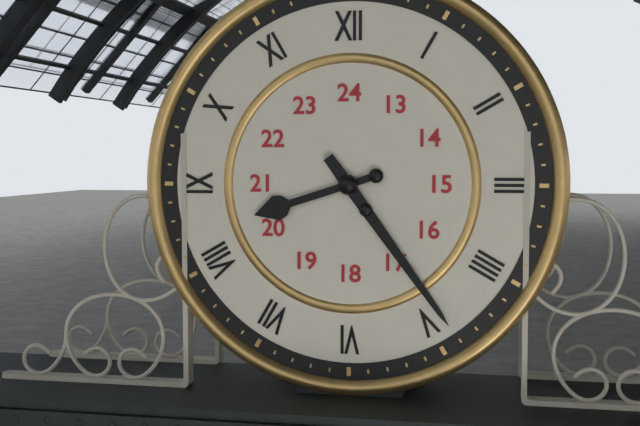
8 h 24 min
